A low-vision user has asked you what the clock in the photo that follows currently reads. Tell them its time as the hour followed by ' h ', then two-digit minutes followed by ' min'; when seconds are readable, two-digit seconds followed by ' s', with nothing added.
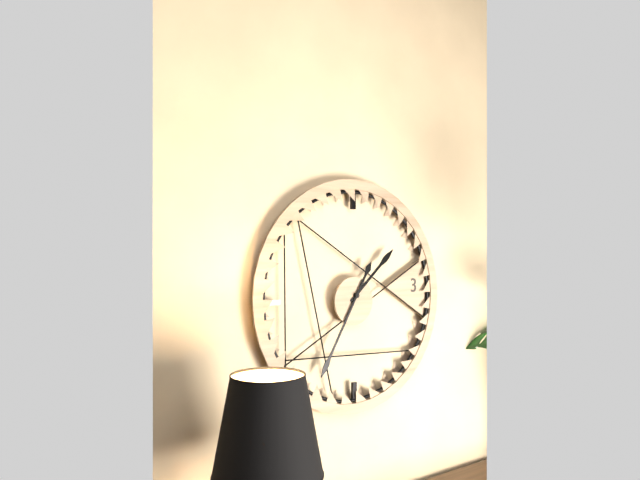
1 h 35 min
